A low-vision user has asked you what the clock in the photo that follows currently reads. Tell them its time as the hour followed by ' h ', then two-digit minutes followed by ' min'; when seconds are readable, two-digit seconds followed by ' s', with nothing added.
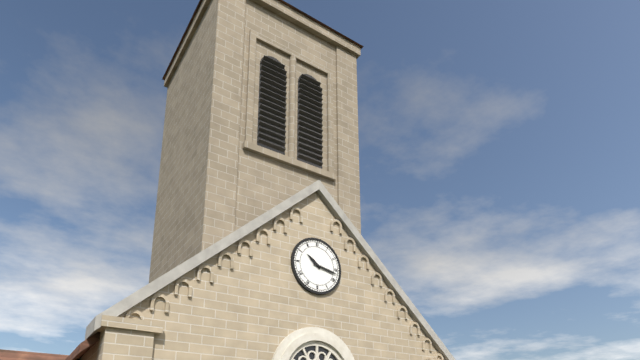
10 h 17 min
